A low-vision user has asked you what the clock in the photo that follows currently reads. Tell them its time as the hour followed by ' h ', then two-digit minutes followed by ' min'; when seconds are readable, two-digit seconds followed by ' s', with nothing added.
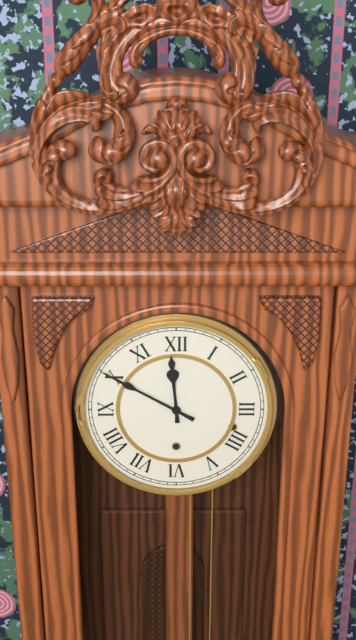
11 h 50 min
